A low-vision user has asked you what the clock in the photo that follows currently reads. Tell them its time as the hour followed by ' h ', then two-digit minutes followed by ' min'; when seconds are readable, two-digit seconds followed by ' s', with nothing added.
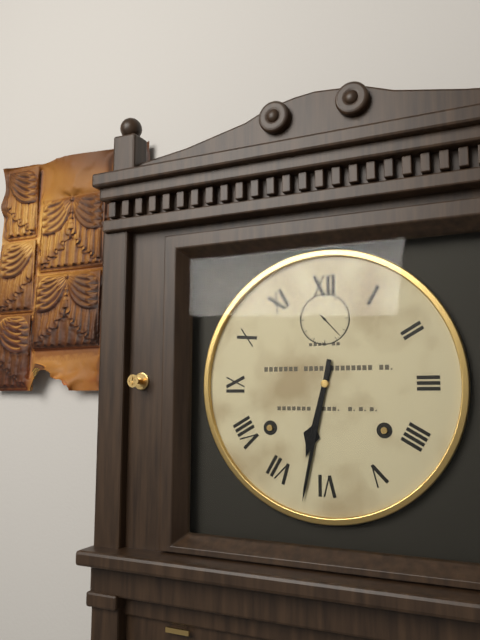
6 h 32 min
